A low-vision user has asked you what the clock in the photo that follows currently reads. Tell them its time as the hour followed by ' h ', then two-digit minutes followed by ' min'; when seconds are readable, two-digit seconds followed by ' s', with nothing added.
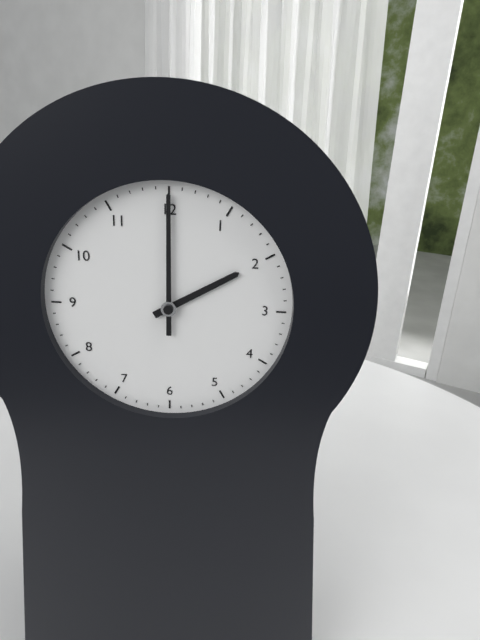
2 h 00 min
